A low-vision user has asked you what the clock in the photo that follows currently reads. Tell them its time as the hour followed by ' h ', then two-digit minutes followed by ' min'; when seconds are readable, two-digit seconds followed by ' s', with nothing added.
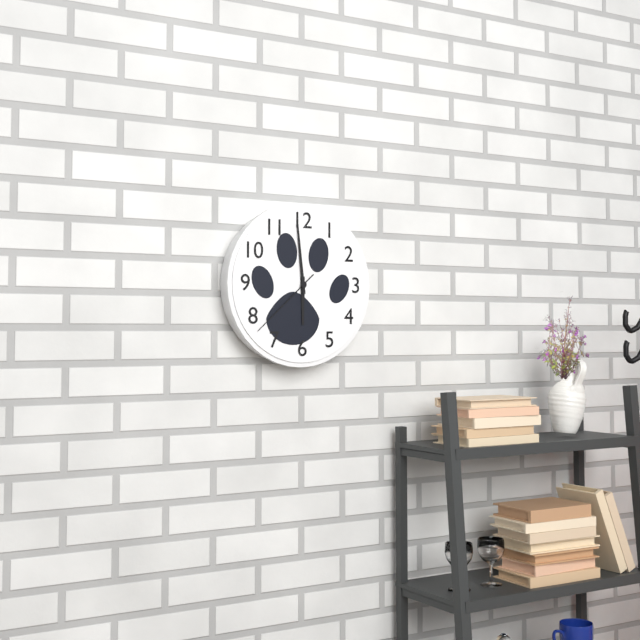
5 h 59 min 38 s
